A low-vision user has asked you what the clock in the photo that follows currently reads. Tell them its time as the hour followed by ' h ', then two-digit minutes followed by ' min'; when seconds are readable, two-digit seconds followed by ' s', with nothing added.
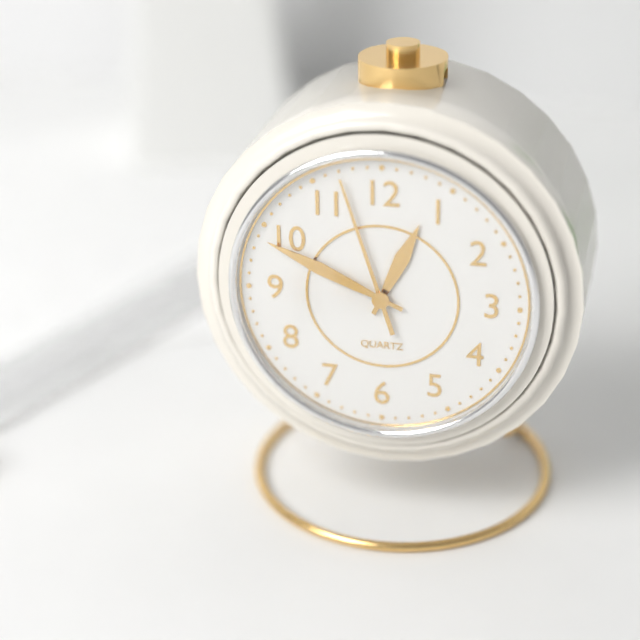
12 h 49 min 57 s
